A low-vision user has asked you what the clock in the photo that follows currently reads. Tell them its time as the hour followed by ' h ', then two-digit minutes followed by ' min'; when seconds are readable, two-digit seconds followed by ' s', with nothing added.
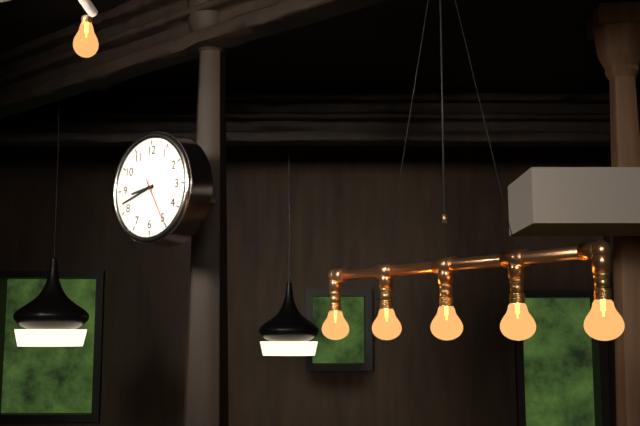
8 h 42 min
